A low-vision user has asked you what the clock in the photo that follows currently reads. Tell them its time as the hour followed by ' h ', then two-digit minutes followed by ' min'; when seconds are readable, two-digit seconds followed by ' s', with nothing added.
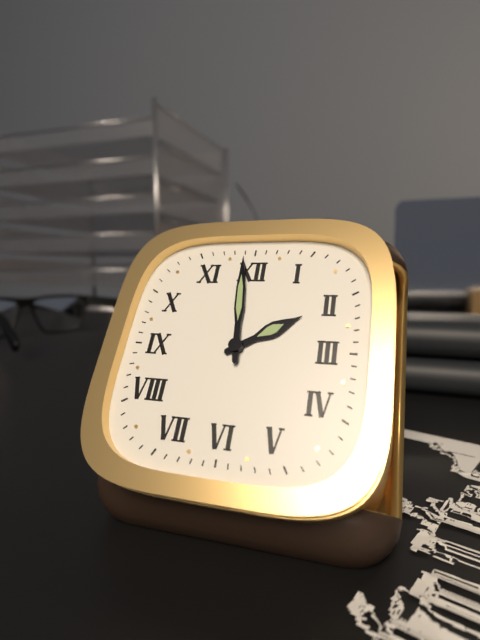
1 h 59 min
